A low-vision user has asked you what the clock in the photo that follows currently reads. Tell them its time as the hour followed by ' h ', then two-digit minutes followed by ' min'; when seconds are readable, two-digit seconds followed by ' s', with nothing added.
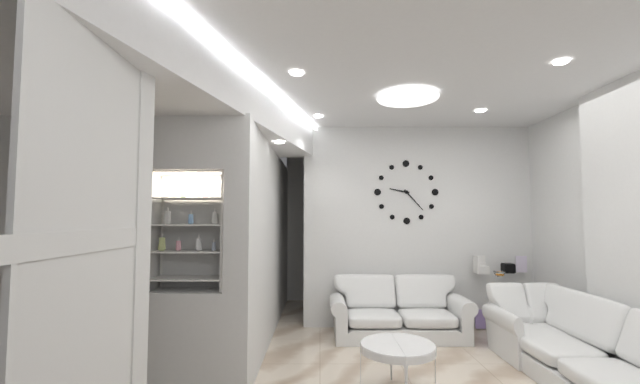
9 h 23 min
